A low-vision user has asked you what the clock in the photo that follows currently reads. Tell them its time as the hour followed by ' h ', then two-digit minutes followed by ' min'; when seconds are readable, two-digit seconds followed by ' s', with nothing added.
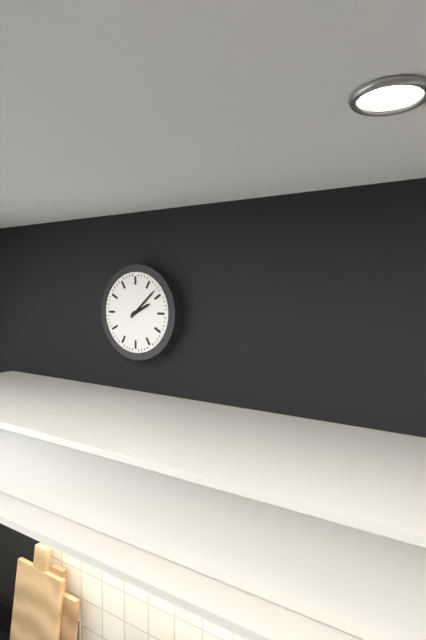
2 h 08 min
